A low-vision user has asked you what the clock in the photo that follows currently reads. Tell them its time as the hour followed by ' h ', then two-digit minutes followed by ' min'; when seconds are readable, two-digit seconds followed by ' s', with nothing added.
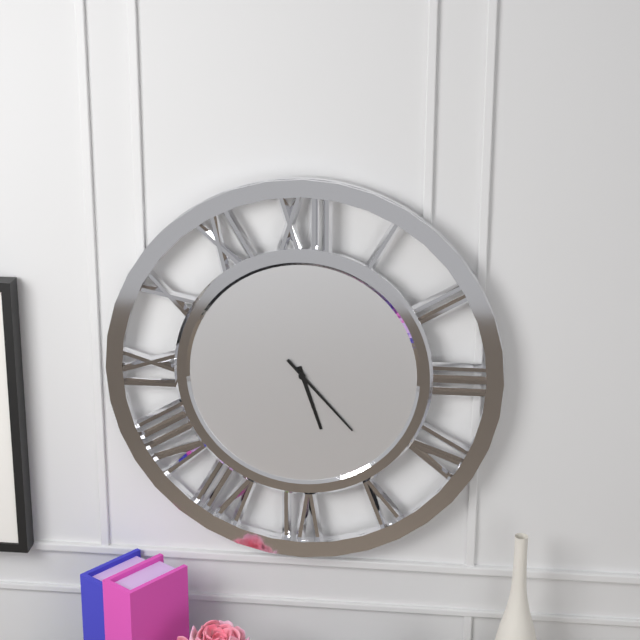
5 h 23 min
